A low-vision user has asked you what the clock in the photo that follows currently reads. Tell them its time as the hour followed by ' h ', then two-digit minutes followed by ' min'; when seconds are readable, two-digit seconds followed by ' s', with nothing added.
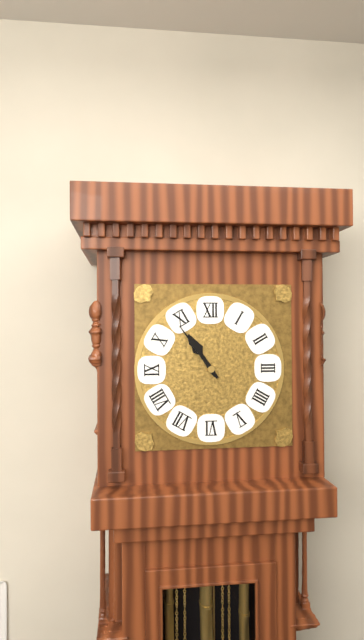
10 h 54 min
